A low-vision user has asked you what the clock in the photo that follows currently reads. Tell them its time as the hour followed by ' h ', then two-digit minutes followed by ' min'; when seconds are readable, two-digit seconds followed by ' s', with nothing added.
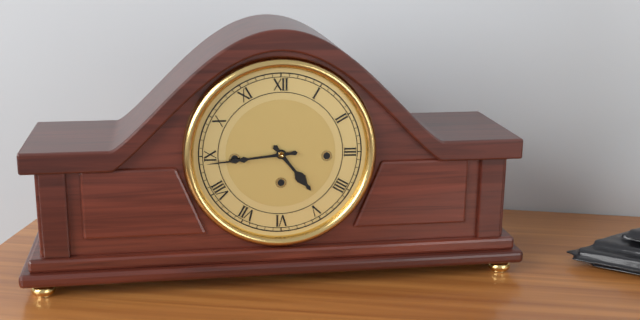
4 h 44 min
